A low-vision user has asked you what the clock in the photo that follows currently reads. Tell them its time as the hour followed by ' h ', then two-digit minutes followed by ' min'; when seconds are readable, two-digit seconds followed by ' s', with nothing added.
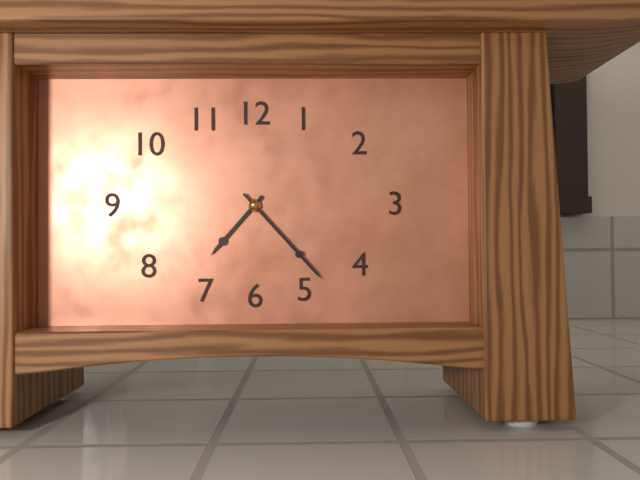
7 h 23 min
